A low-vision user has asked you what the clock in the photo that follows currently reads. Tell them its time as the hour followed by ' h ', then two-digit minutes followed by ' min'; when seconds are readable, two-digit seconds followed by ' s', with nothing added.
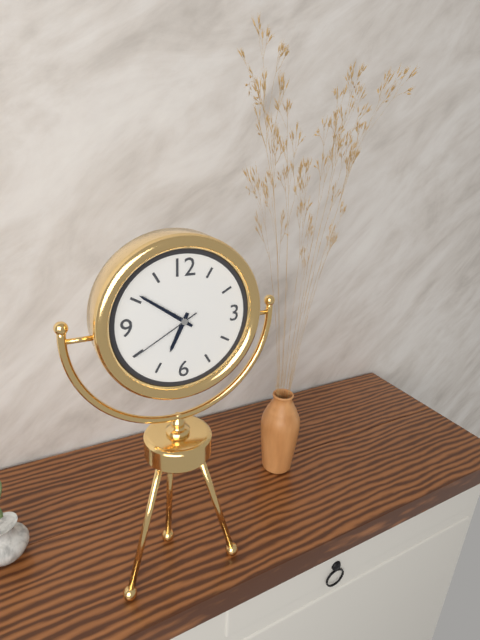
6 h 51 min 40 s
